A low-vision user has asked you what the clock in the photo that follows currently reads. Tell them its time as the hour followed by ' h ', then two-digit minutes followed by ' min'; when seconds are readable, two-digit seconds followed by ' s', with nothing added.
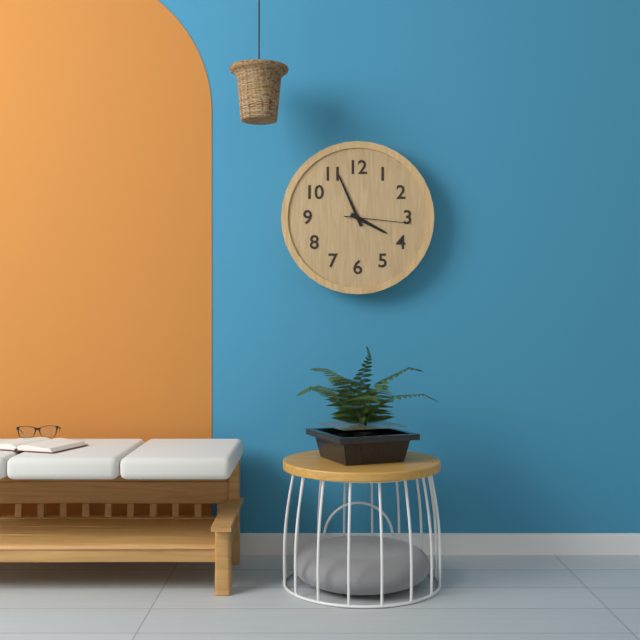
3 h 56 min 16 s
